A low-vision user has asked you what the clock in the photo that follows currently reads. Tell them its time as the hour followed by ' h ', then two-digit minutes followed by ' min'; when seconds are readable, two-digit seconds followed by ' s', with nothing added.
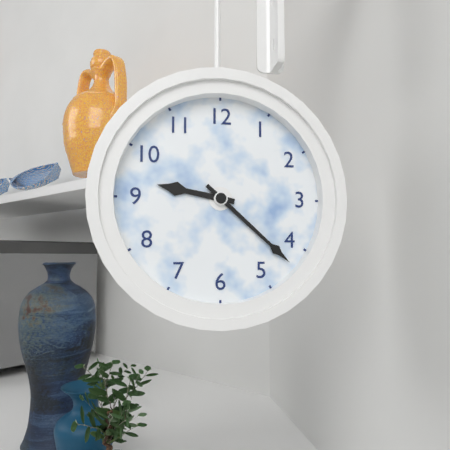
9 h 22 min
